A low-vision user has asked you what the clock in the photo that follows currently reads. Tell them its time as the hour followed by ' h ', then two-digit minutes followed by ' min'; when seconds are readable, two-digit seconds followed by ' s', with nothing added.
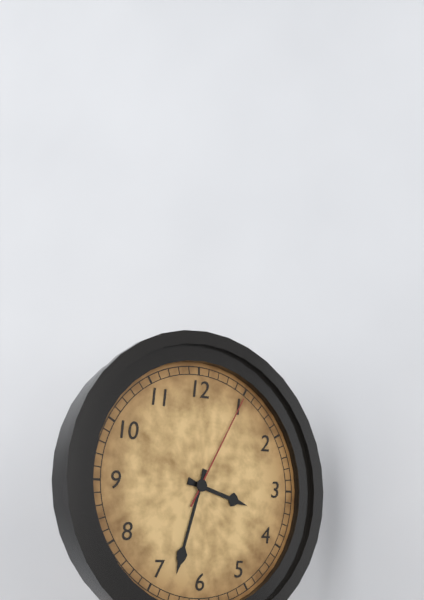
3 h 33 min 05 s
